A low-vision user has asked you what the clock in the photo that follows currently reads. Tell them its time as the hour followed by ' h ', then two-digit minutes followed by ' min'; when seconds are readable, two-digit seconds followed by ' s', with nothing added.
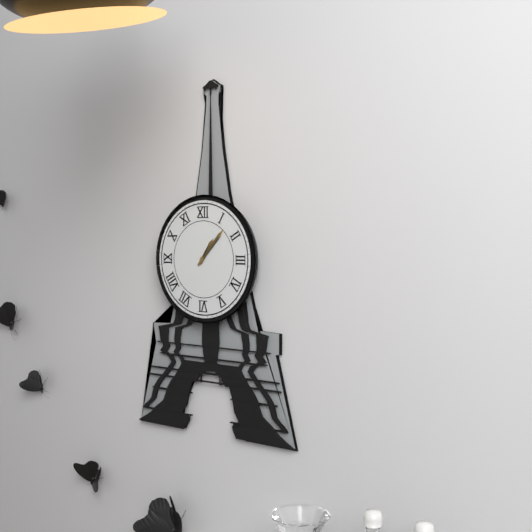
1 h 07 min
